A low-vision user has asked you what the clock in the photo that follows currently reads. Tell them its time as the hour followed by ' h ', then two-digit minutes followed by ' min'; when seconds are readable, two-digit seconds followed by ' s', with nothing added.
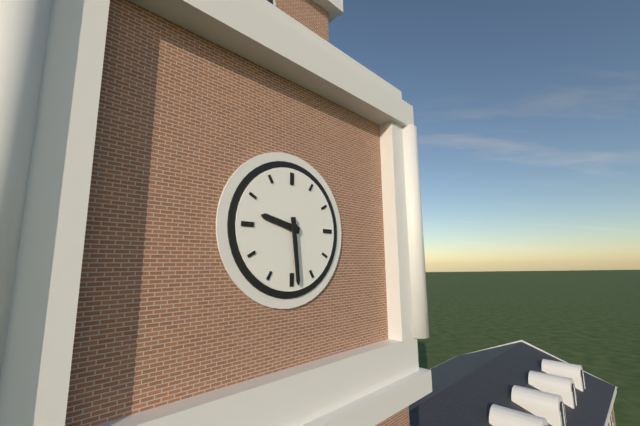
9 h 29 min
